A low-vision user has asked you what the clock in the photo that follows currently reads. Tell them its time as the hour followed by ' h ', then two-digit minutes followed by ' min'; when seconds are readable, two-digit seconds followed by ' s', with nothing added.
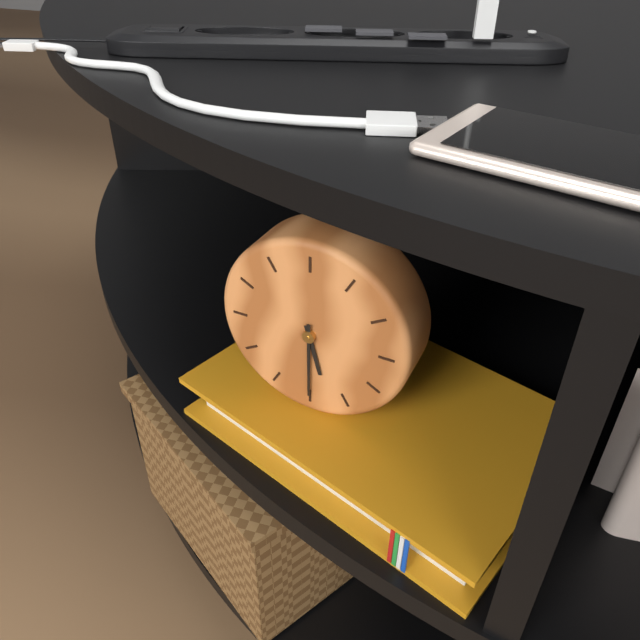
5 h 30 min
